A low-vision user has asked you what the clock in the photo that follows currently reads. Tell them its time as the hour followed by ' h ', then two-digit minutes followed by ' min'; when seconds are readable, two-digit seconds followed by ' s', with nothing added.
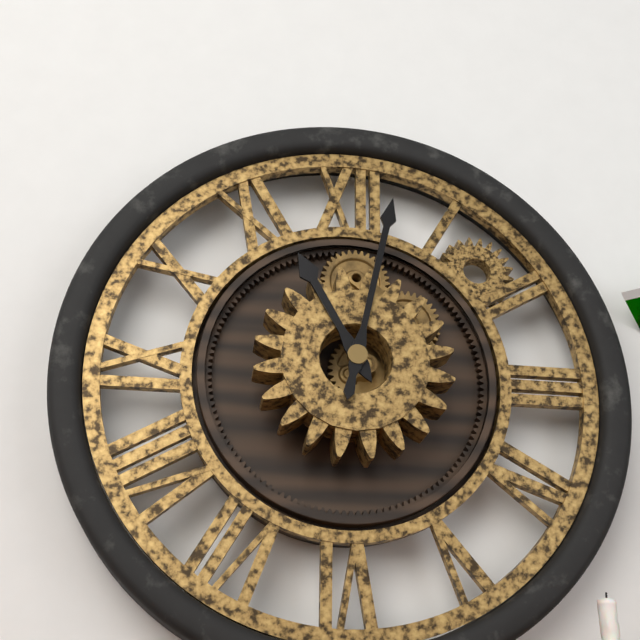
11 h 02 min
